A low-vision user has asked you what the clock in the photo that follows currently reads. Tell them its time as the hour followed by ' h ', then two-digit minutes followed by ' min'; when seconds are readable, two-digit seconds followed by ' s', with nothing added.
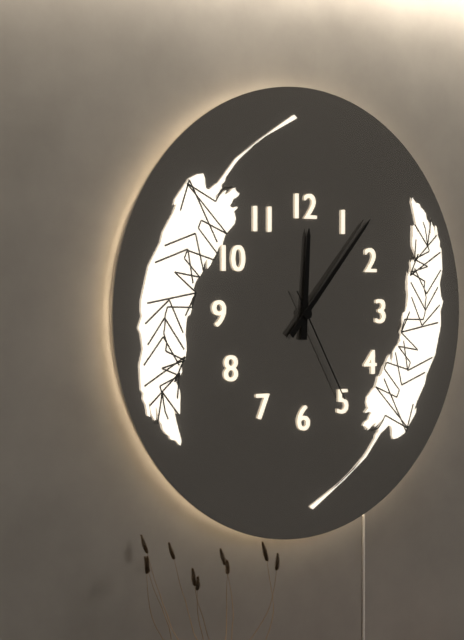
12 h 07 min 25 s
